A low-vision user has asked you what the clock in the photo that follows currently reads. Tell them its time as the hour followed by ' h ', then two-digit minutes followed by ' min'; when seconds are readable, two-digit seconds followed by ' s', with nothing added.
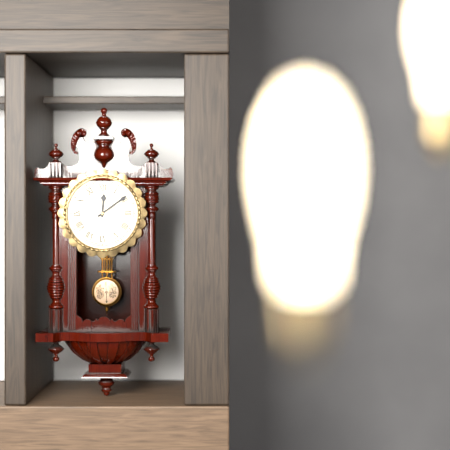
12 h 09 min
